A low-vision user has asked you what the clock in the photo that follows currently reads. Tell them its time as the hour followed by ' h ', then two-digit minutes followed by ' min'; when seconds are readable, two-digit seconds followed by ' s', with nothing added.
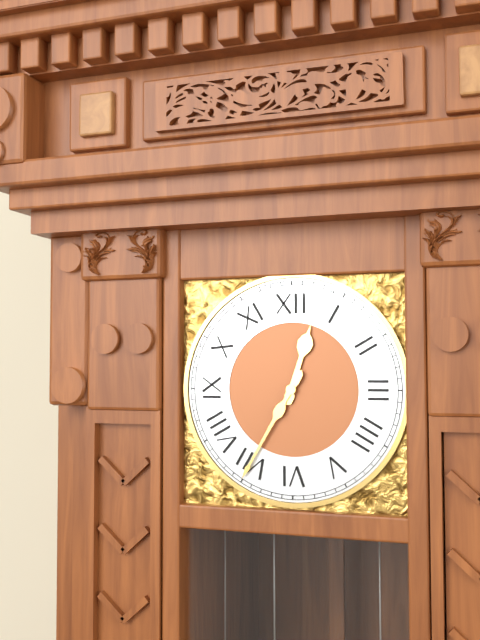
12 h 35 min
